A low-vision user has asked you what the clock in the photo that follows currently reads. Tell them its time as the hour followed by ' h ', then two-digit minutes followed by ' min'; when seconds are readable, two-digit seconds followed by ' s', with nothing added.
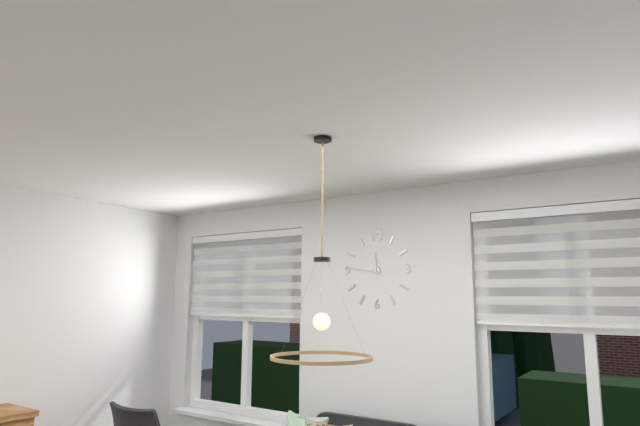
11 h 46 min
